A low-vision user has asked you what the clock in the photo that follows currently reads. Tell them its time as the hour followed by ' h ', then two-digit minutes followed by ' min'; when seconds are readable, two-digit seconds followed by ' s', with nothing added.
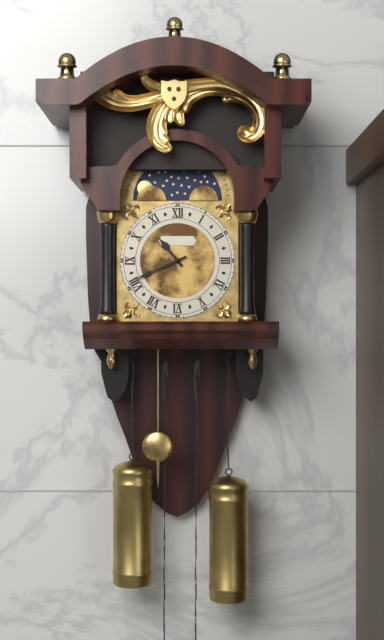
10 h 41 min
